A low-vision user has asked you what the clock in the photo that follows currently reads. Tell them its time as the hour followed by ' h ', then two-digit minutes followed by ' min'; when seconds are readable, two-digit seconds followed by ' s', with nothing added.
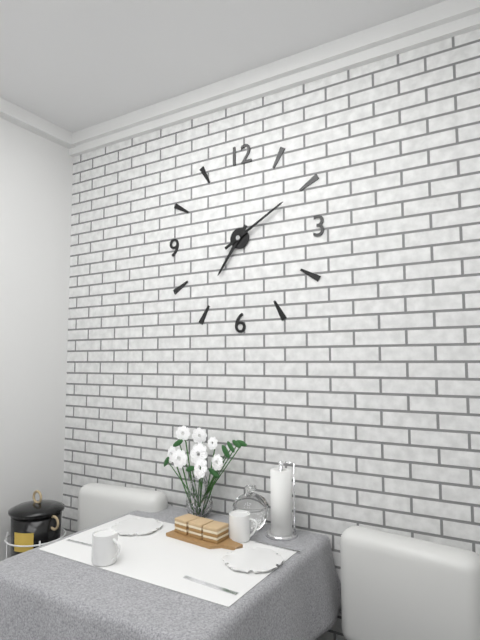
7 h 10 min
